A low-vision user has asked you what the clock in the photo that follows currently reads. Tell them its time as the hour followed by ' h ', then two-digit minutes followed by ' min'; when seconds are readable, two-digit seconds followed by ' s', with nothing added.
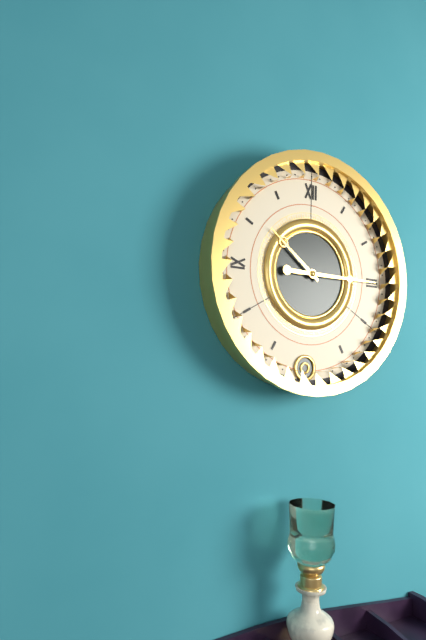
10 h 15 min
